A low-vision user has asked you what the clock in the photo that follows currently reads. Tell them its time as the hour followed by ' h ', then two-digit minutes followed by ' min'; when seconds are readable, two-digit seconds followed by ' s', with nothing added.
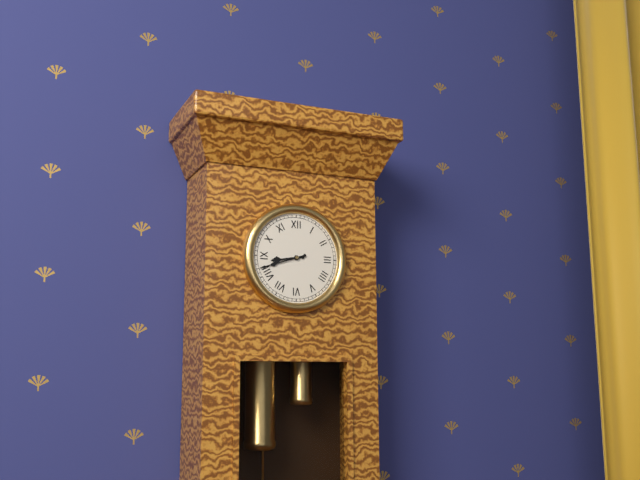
8 h 42 min
